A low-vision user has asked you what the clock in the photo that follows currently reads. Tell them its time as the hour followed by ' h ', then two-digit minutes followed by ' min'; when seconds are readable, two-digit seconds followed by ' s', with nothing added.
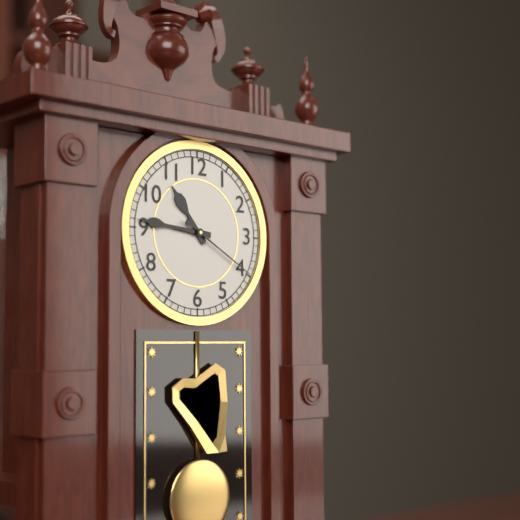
10 h 46 min 20 s
